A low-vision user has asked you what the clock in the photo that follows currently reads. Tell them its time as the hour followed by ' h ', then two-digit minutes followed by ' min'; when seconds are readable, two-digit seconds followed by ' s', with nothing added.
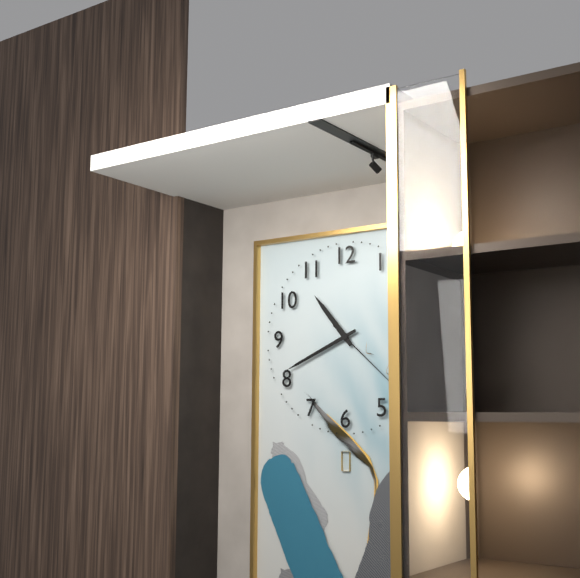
10 h 41 min 22 s
